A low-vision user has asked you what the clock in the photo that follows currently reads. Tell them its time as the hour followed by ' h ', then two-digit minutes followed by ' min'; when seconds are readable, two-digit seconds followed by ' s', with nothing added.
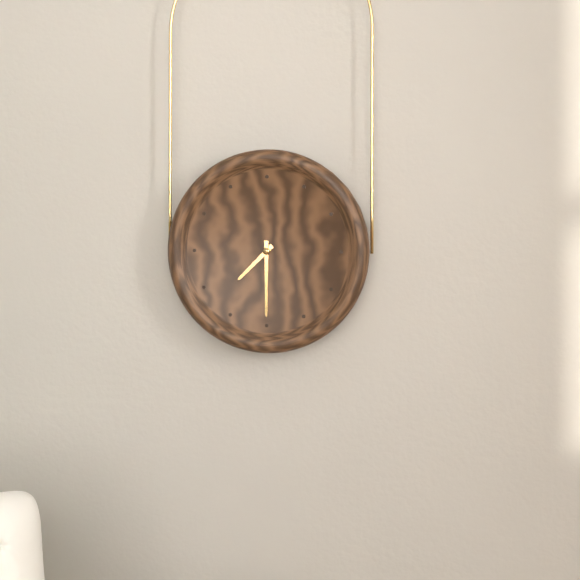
7 h 30 min
